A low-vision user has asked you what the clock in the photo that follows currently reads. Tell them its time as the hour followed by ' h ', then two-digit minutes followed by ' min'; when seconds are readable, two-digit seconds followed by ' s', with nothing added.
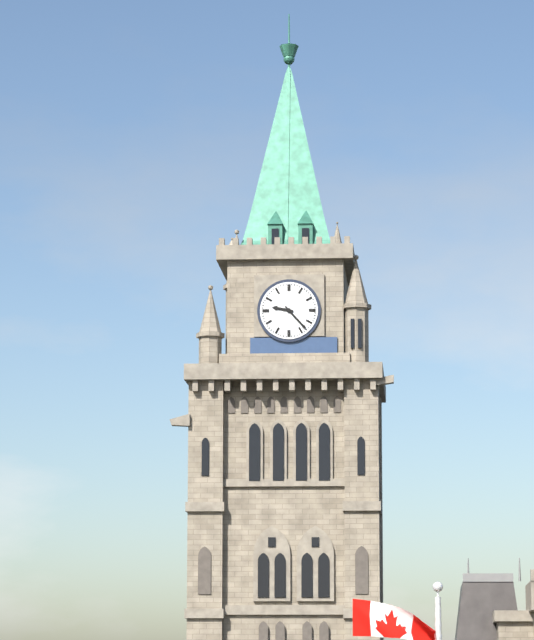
9 h 23 min
